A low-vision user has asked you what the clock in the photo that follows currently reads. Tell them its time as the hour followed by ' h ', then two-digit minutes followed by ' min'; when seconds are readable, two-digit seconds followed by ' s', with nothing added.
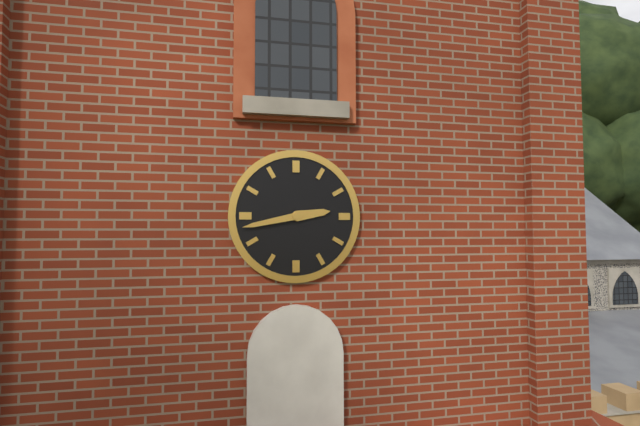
2 h 43 min
